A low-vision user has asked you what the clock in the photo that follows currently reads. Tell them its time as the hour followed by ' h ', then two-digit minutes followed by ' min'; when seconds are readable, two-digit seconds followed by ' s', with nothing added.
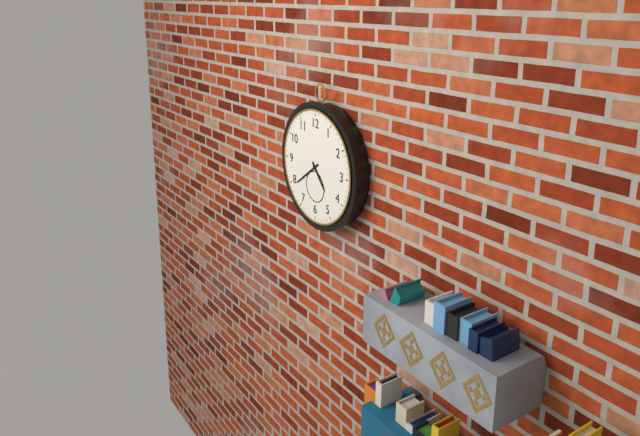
4 h 39 min
